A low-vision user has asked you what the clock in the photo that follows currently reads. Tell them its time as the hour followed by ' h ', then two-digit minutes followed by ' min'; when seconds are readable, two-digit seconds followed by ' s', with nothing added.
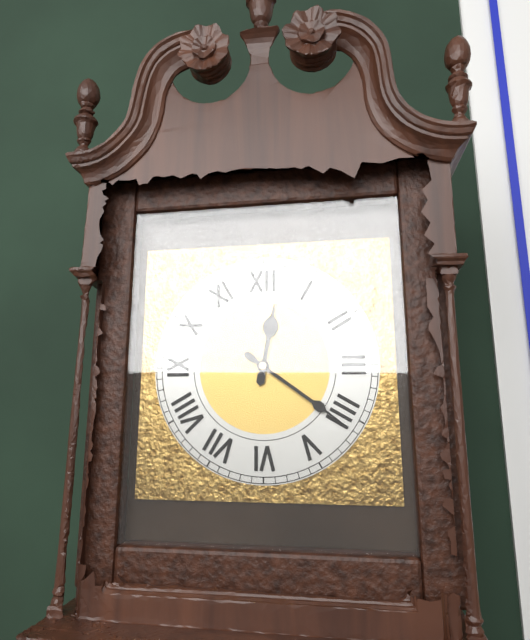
12 h 21 min
